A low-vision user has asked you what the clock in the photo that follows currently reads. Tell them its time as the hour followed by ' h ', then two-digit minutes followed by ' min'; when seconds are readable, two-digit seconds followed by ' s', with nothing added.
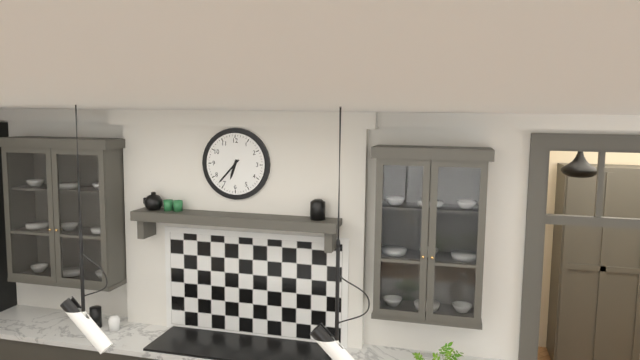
6 h 37 min
